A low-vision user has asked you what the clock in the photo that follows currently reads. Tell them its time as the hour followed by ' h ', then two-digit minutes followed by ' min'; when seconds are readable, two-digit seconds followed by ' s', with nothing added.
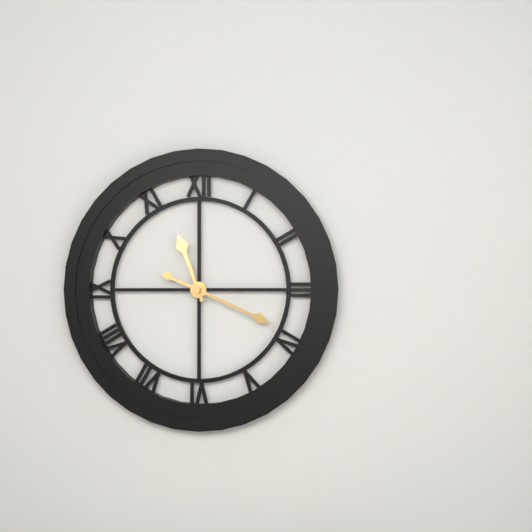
11 h 19 min
